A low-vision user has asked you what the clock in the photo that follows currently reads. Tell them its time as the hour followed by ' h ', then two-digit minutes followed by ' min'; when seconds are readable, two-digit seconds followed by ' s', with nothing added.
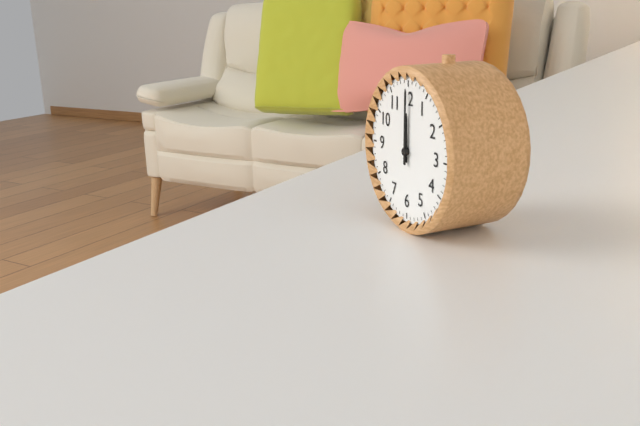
12 h 00 min
